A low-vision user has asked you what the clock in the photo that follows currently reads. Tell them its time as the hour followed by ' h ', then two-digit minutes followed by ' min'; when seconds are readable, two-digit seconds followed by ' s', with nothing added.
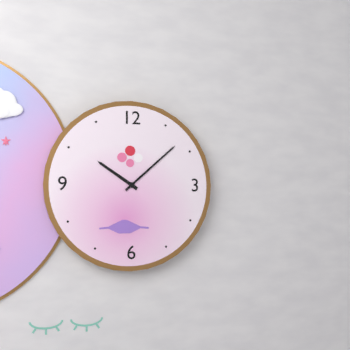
10 h 08 min
